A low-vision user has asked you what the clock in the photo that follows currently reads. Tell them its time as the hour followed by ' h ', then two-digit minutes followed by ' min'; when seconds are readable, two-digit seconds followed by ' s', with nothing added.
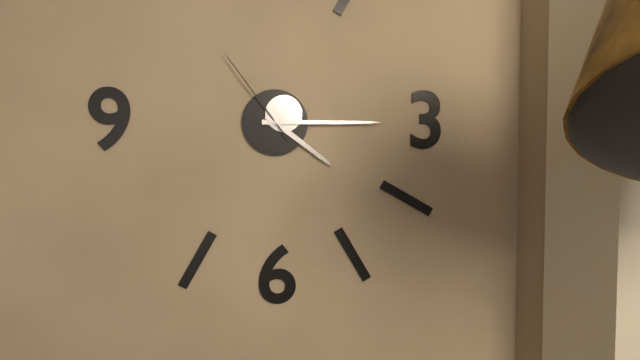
4 h 15 min 54 s
